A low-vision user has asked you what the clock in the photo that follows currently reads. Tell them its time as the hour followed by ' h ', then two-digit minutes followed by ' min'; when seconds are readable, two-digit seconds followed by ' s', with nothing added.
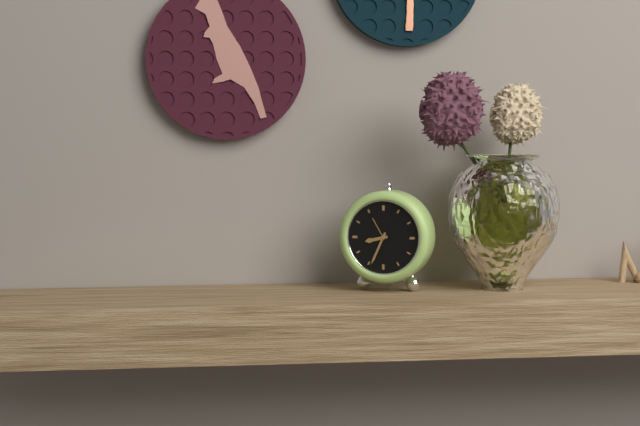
8 h 34 min
